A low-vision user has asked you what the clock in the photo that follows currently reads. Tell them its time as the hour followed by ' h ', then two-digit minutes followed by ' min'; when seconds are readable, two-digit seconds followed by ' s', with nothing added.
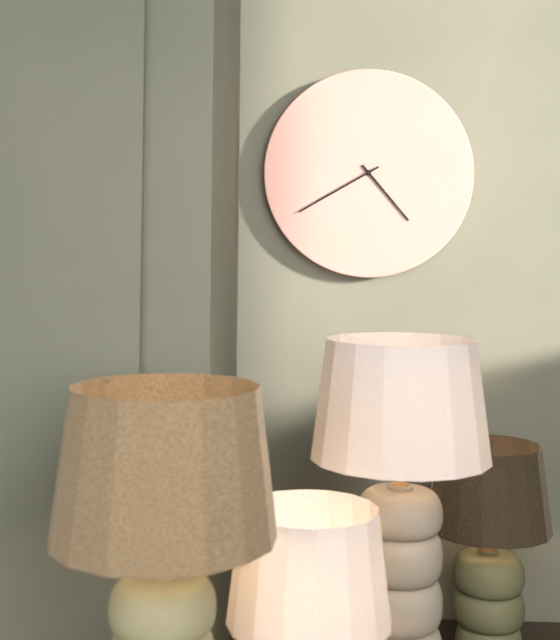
4 h 40 min
